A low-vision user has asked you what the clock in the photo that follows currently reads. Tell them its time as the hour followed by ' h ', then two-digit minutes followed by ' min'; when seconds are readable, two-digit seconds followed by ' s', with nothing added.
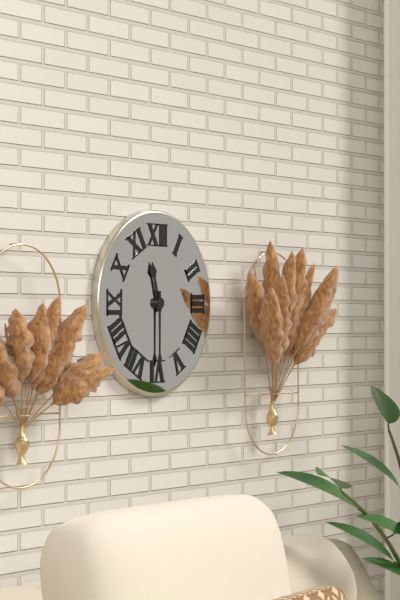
11 h 30 min
